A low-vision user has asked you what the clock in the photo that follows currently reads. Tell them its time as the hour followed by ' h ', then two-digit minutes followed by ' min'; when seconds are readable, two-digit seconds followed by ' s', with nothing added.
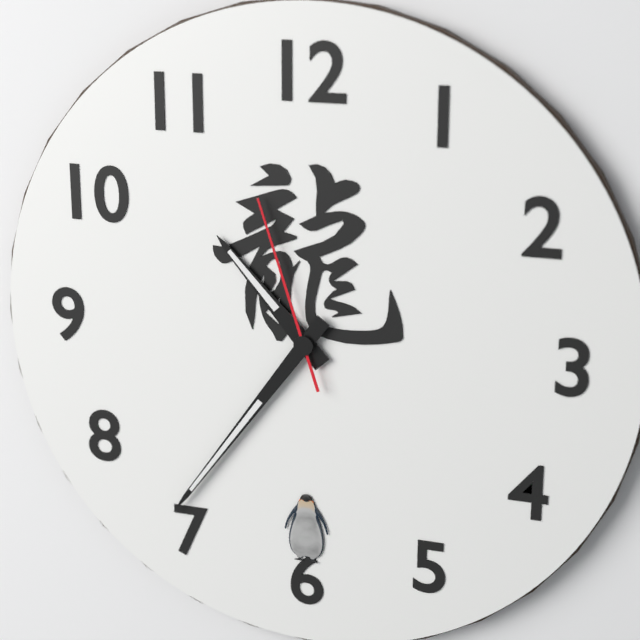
10 h 36 min 57 s
